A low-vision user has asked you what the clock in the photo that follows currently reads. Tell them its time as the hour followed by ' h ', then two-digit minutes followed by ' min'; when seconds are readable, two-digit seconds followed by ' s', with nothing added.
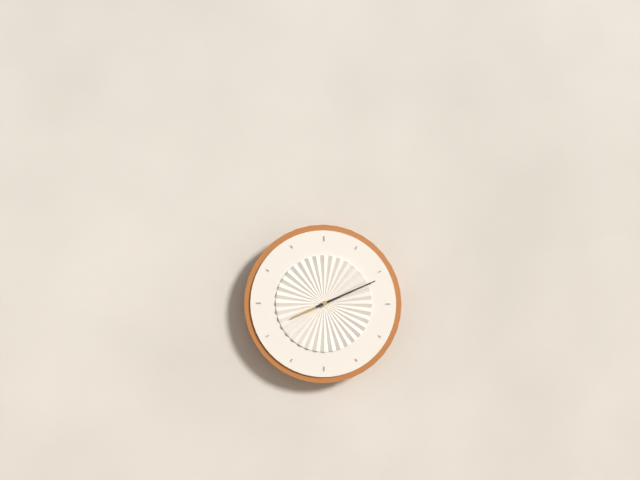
8 h 11 min
